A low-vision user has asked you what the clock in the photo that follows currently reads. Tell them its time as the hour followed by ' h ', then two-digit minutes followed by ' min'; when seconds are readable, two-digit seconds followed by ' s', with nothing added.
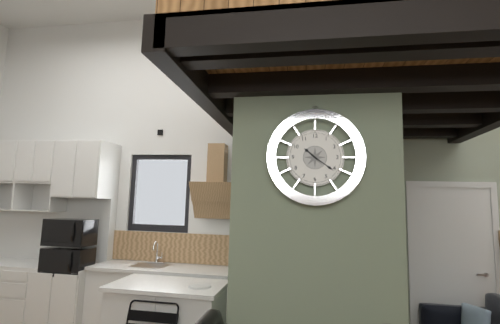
10 h 21 min
